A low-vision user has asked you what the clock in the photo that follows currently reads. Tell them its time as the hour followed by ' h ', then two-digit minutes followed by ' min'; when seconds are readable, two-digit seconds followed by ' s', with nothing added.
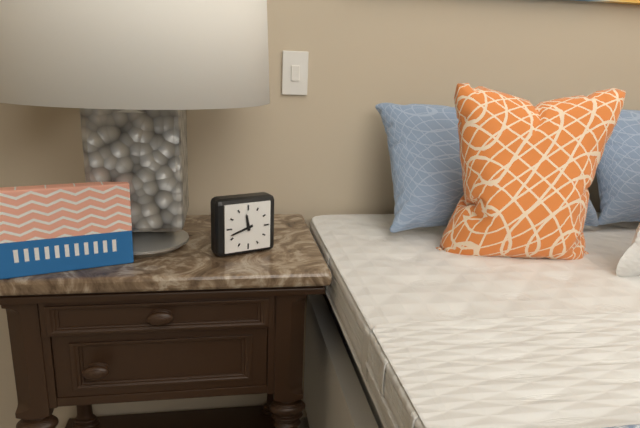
11 h 42 min
